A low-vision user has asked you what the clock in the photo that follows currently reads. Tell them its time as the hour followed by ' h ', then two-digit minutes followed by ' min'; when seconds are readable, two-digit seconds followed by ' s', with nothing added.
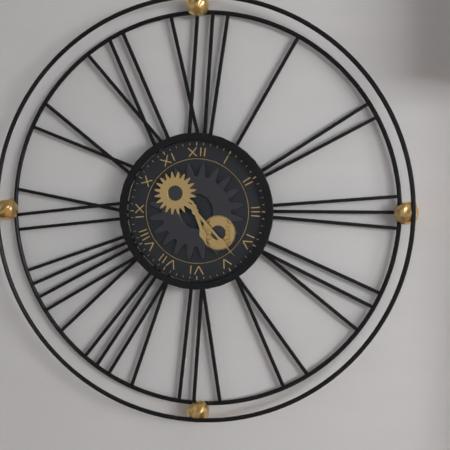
5 h 23 min
